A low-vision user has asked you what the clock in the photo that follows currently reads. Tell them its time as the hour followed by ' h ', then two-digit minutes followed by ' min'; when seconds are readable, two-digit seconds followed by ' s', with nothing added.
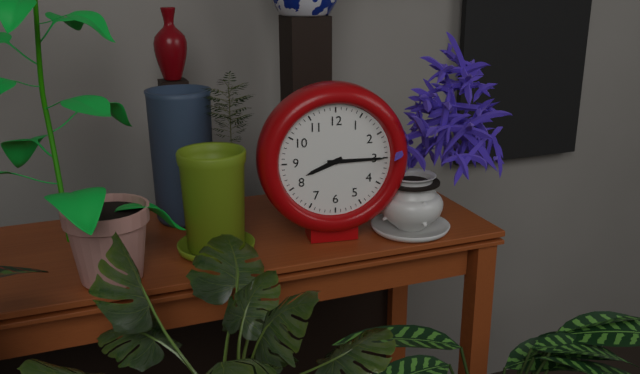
8 h 15 min
